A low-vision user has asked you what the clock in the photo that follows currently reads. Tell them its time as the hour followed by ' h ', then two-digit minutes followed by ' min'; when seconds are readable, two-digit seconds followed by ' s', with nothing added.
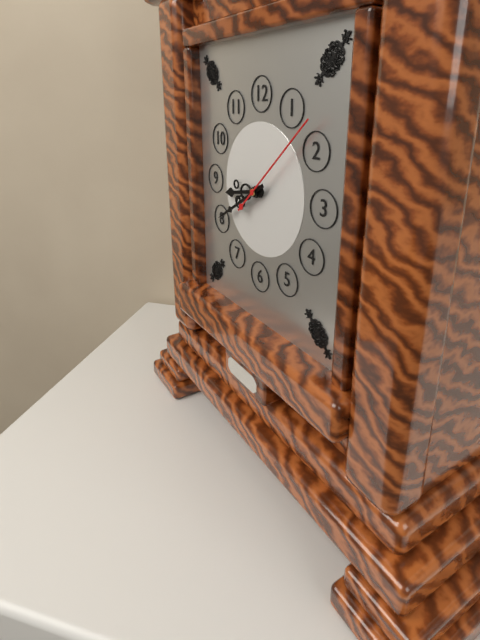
8 h 40 min 08 s
